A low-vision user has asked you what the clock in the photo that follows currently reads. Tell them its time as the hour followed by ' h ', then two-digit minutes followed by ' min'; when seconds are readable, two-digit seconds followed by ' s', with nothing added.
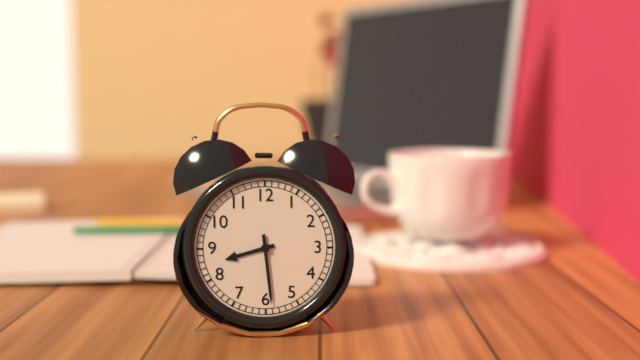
8 h 29 min
